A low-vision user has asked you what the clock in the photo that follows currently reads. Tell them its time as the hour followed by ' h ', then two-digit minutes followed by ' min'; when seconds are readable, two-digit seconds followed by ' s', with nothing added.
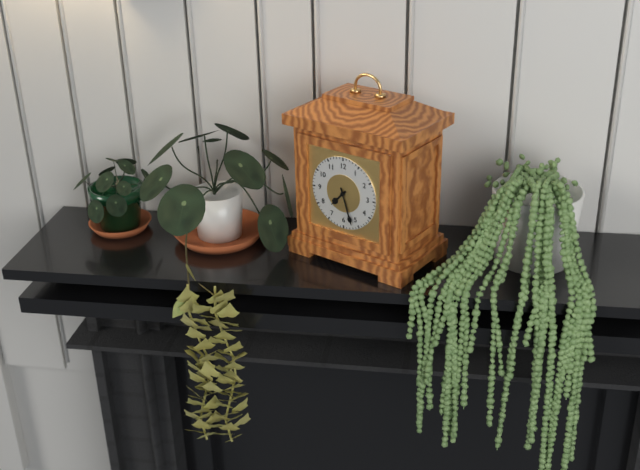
7 h 27 min
